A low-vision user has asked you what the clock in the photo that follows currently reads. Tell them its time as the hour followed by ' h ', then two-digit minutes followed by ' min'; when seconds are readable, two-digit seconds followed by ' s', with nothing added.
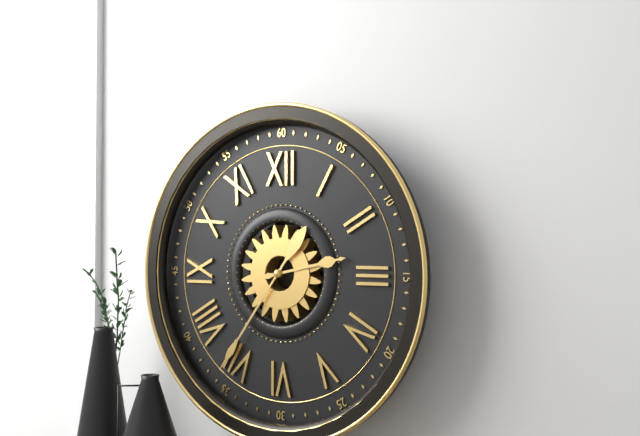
2 h 36 min
